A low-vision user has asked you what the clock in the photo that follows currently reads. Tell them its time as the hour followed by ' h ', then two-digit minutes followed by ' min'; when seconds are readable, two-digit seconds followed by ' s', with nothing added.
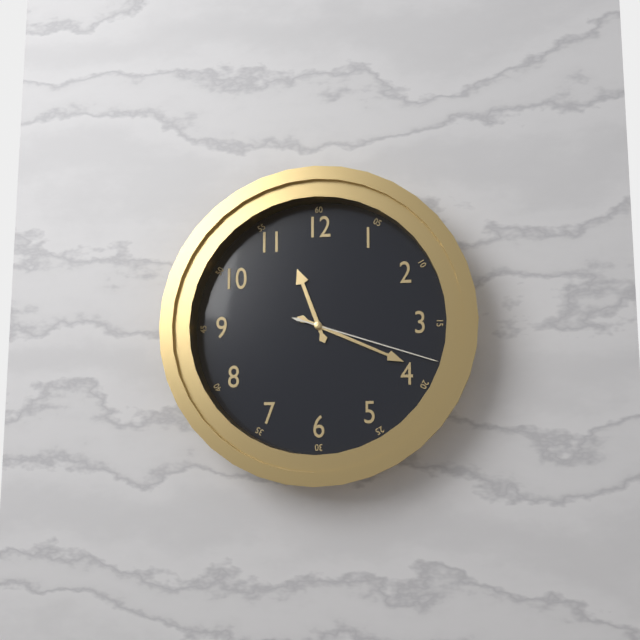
11 h 19 min 18 s
